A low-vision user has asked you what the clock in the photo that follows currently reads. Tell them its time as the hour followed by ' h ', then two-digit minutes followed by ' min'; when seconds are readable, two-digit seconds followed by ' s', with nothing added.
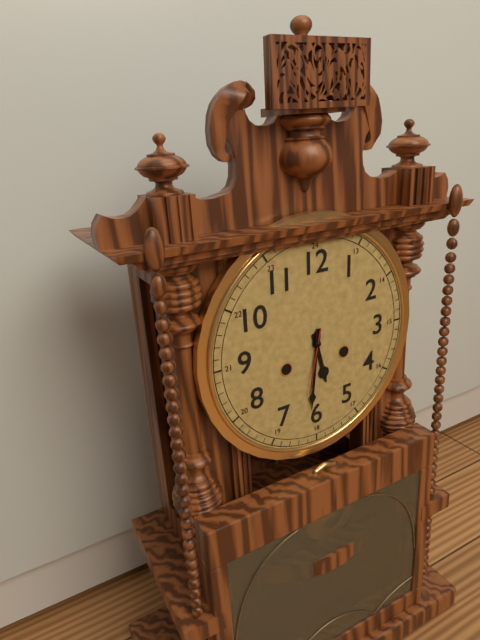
5 h 31 min 32 s
